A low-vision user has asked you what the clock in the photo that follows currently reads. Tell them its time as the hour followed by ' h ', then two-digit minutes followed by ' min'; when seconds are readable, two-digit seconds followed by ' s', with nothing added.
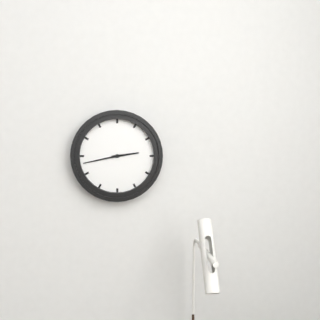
2 h 43 min
